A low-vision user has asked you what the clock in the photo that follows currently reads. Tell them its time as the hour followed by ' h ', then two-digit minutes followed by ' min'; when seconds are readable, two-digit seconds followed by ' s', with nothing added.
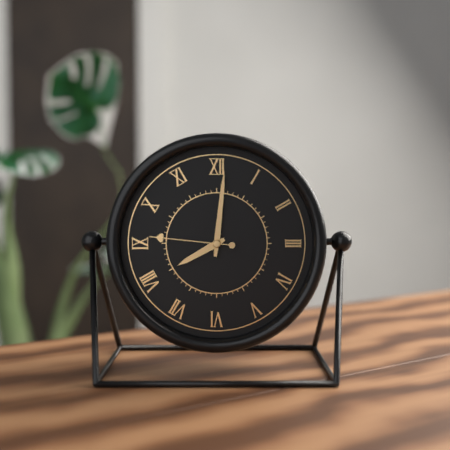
8 h 01 min 46 s
